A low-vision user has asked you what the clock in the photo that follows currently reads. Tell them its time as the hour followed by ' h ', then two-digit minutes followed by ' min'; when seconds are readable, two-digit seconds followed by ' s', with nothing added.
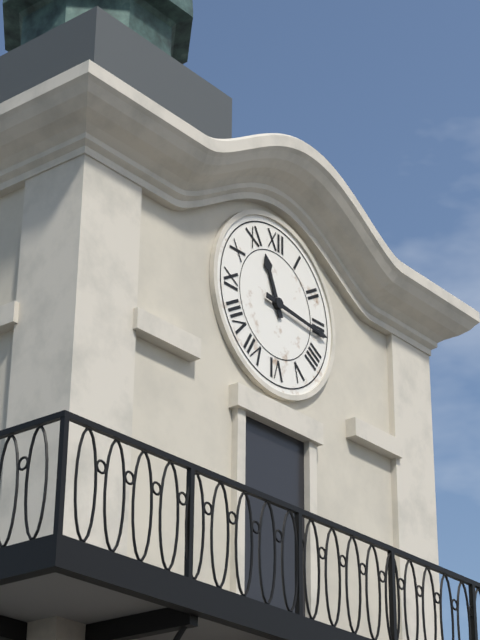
11 h 16 min
